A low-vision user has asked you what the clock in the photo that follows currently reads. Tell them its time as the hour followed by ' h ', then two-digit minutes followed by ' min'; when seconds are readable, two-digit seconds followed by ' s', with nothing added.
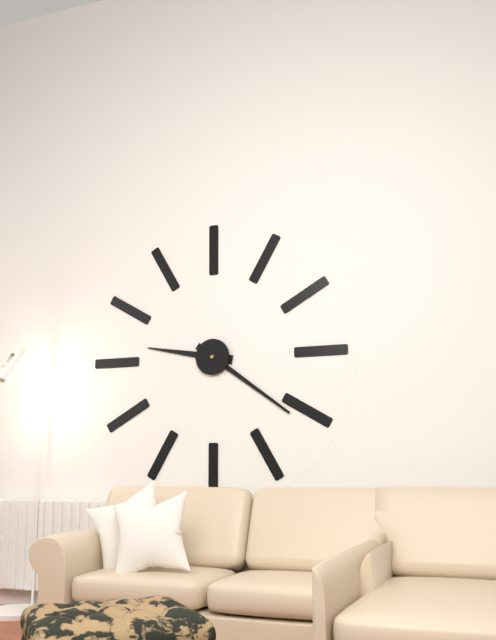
9 h 21 min
